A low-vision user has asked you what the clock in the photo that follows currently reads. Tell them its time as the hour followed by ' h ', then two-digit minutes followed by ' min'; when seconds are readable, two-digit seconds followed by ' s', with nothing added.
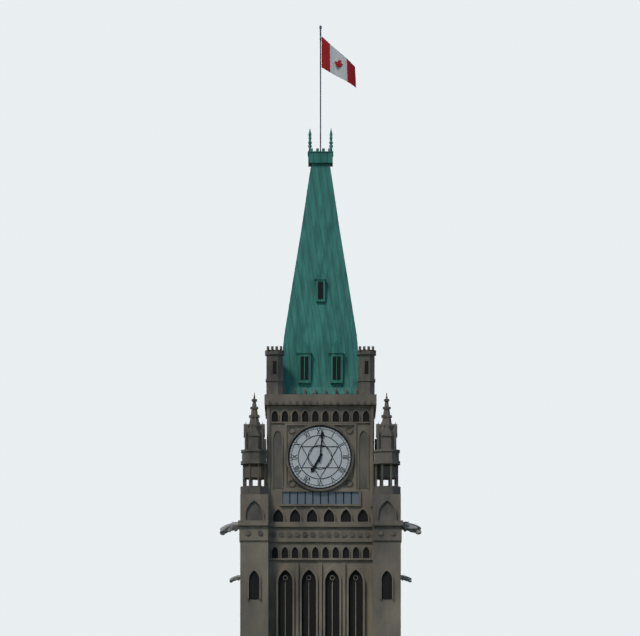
7 h 01 min
